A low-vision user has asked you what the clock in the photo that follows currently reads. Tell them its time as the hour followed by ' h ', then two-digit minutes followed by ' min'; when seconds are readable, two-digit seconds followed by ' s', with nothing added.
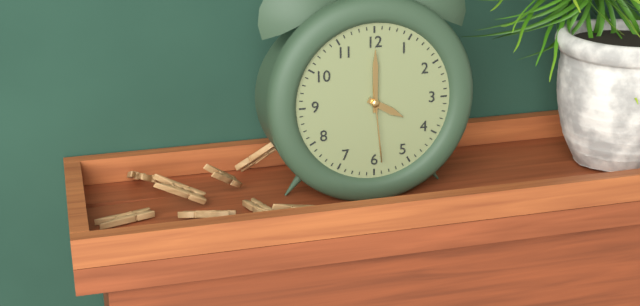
4 h 00 min 29 s
